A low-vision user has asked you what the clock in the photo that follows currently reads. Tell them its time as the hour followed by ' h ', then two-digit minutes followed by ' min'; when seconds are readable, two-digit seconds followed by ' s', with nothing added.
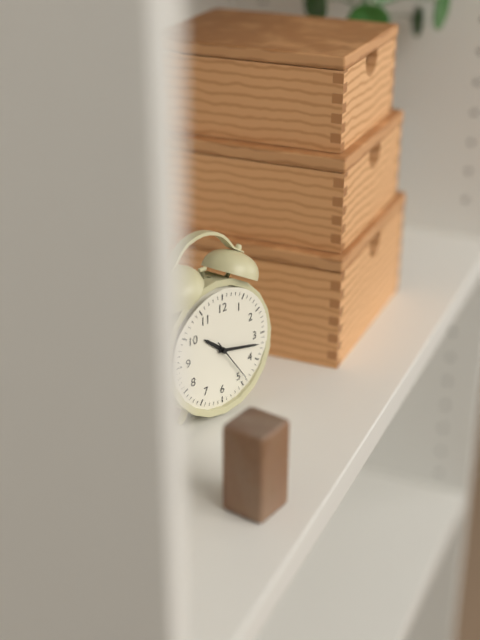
10 h 17 min
